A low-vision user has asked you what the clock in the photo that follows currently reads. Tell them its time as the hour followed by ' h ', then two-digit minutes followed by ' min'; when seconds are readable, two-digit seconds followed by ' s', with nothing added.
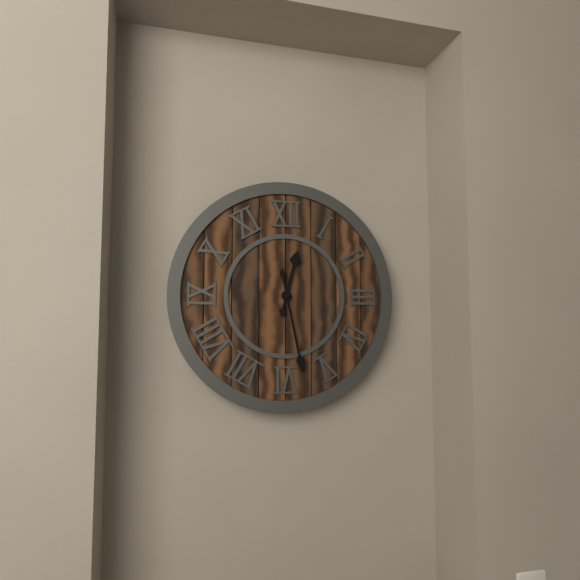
12 h 28 min
